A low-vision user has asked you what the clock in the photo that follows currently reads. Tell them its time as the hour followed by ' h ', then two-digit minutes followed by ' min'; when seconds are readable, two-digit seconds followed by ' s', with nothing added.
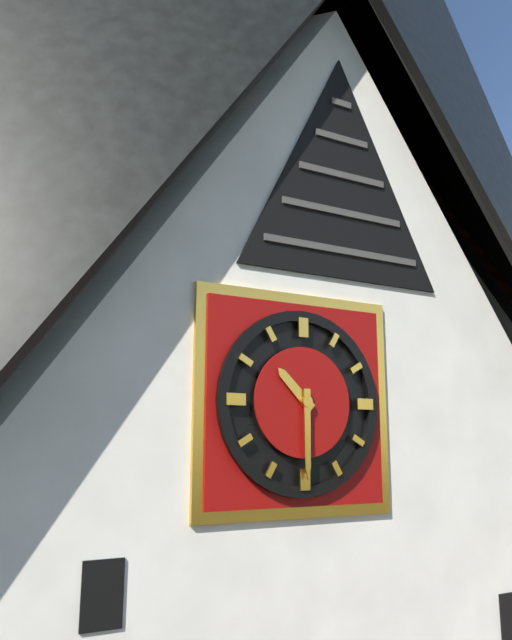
10 h 30 min
